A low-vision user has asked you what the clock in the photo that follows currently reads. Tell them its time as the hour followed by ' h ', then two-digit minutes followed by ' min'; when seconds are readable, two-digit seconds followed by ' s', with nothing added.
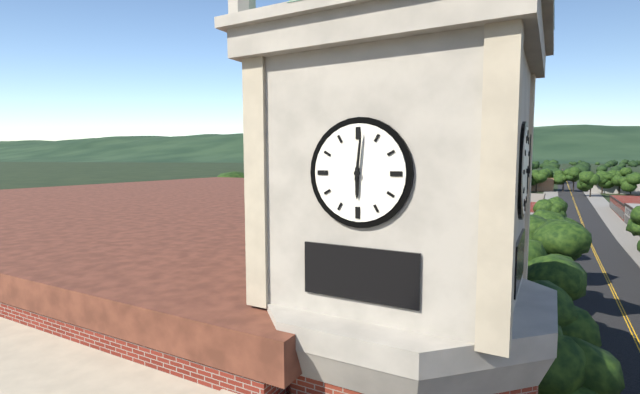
6 h 01 min
